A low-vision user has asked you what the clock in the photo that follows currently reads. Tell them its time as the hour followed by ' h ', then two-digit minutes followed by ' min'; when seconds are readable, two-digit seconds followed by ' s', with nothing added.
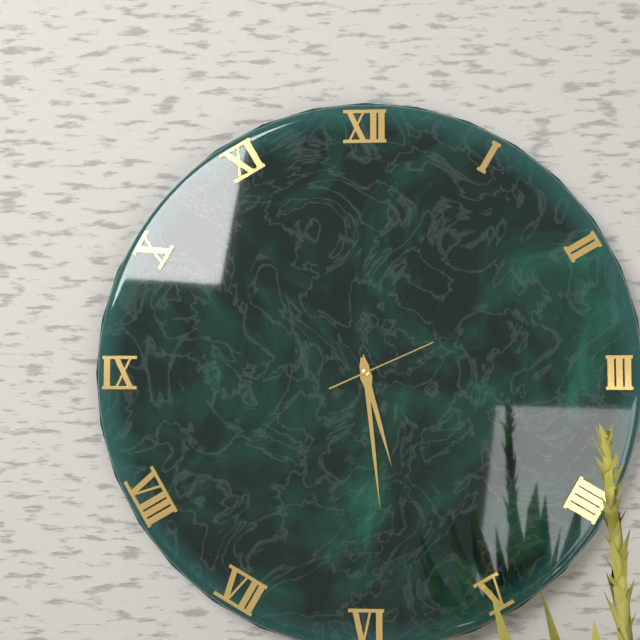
5 h 29 min 11 s
